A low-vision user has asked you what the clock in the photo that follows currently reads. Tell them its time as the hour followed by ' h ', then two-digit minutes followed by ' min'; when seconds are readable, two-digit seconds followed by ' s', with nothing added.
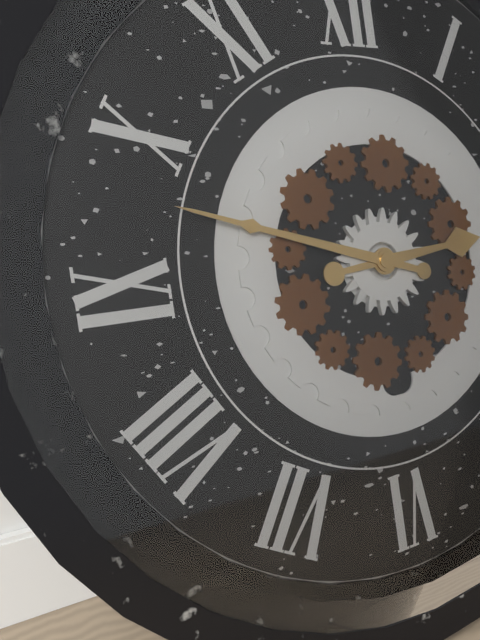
2 h 48 min
